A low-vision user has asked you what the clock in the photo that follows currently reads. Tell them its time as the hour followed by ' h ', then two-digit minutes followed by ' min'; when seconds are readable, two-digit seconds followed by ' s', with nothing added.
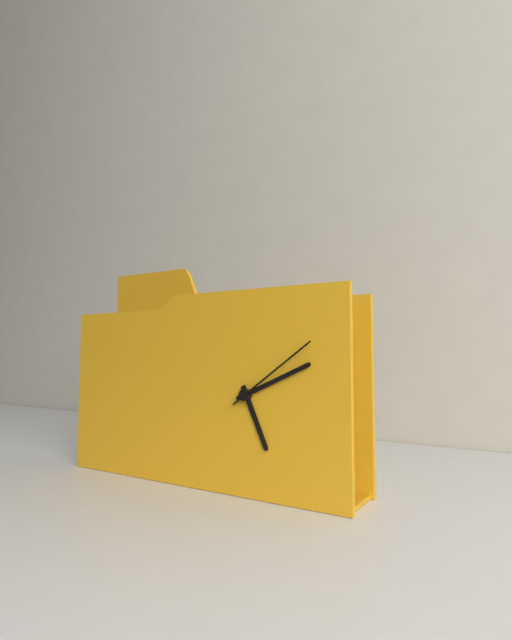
5 h 11 min 09 s
